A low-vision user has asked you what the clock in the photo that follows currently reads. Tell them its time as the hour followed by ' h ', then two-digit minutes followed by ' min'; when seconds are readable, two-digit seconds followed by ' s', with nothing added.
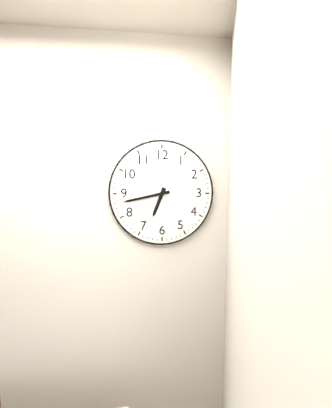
6 h 43 min
